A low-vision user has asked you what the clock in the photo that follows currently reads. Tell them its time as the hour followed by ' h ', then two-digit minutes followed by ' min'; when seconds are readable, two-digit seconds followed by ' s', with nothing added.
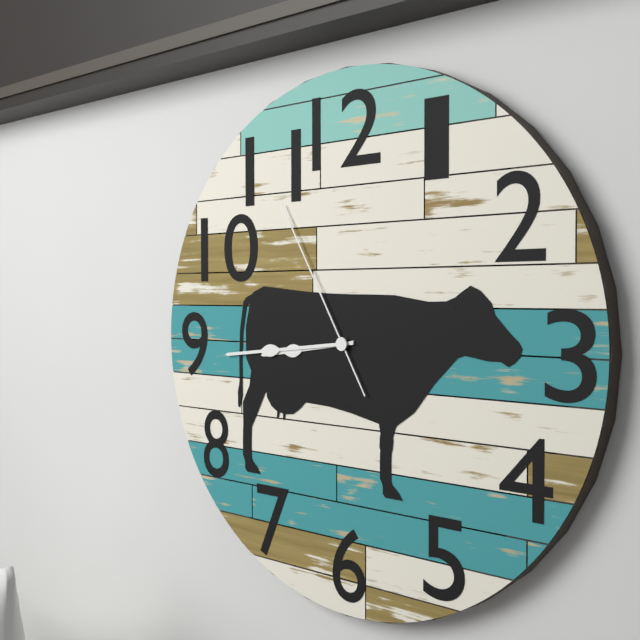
8 h 44 min 55 s
